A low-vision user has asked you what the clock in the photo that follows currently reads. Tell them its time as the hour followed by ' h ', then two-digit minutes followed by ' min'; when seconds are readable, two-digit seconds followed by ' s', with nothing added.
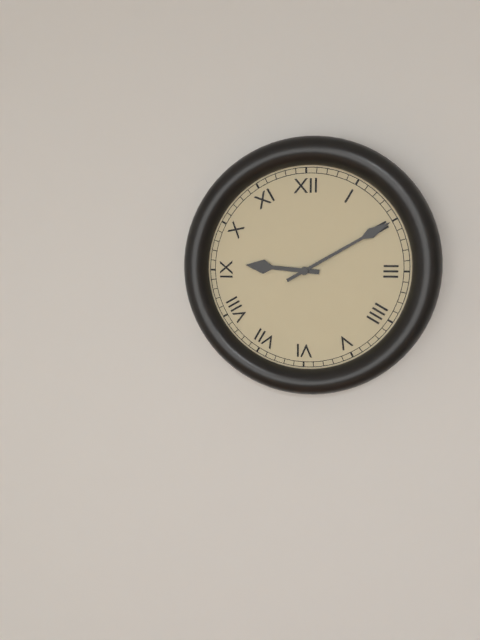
9 h 10 min
